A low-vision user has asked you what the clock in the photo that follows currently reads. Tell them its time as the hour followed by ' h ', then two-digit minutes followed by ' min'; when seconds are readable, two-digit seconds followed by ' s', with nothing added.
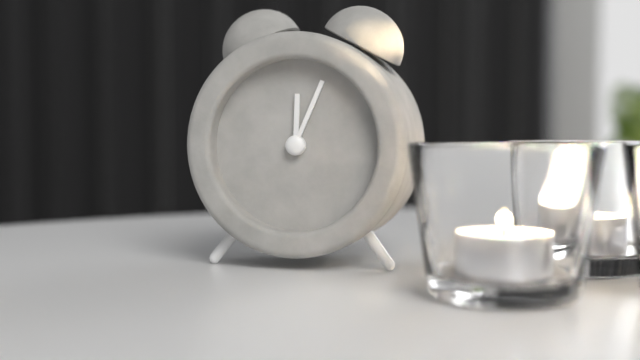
12 h 04 min
